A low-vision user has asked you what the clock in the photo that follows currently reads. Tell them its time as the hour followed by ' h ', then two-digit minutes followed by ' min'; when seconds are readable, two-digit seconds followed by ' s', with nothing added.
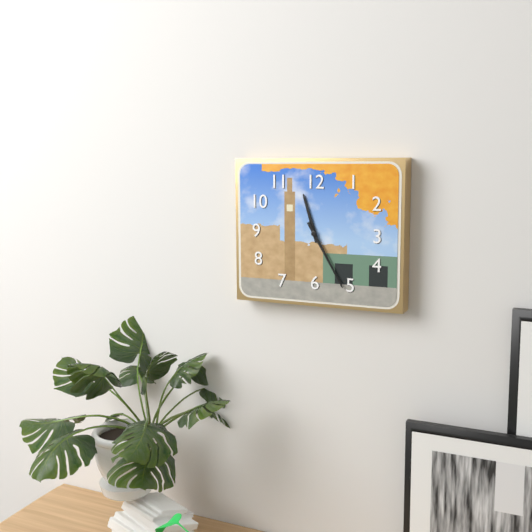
11 h 25 min
